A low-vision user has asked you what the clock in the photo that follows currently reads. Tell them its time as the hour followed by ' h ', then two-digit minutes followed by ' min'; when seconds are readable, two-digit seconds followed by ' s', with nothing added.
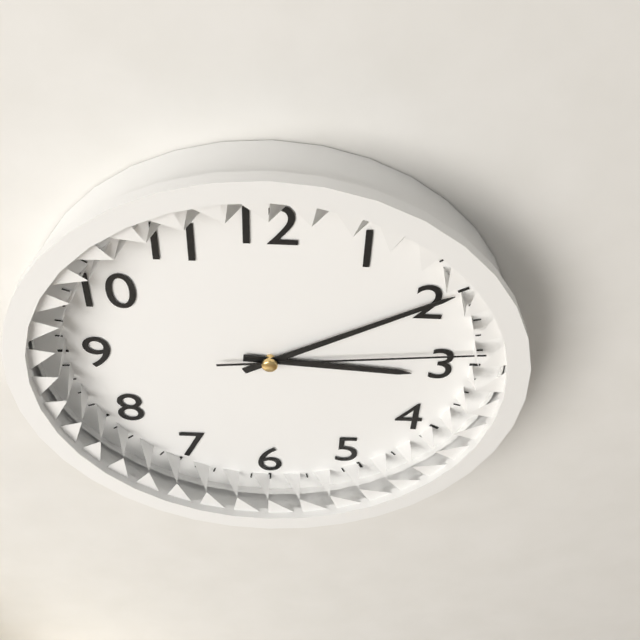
3 h 10 min 14 s
